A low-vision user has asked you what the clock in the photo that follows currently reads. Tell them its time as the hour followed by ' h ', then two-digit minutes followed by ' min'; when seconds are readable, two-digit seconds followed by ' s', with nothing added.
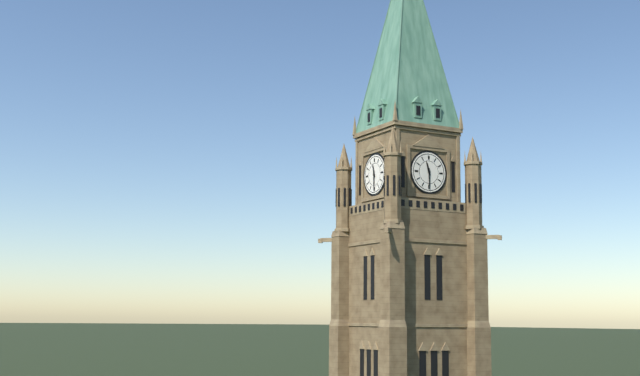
11 h 30 min
